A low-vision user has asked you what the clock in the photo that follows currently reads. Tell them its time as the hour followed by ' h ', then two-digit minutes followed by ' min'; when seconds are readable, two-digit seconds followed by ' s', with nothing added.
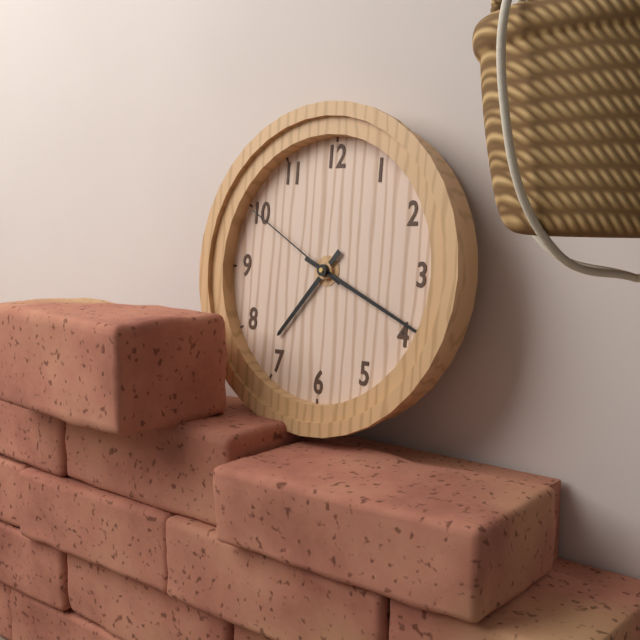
7 h 19 min 50 s
